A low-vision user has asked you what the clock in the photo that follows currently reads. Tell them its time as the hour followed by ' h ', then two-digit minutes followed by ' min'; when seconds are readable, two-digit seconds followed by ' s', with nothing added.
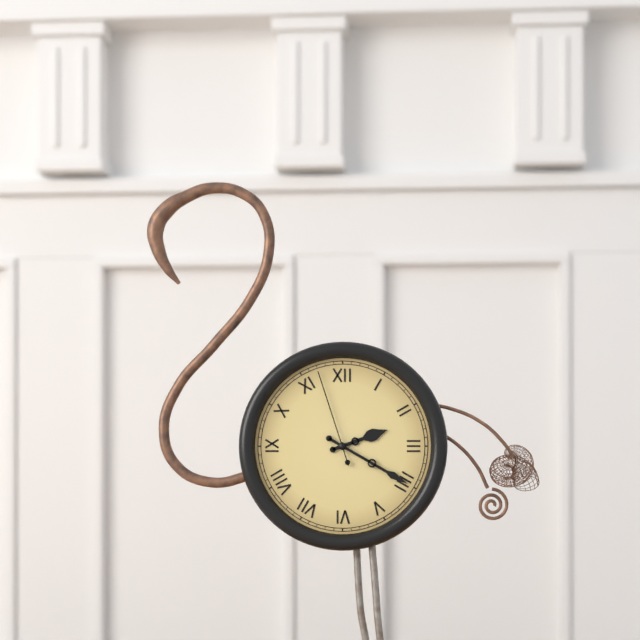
2 h 20 min 57 s
